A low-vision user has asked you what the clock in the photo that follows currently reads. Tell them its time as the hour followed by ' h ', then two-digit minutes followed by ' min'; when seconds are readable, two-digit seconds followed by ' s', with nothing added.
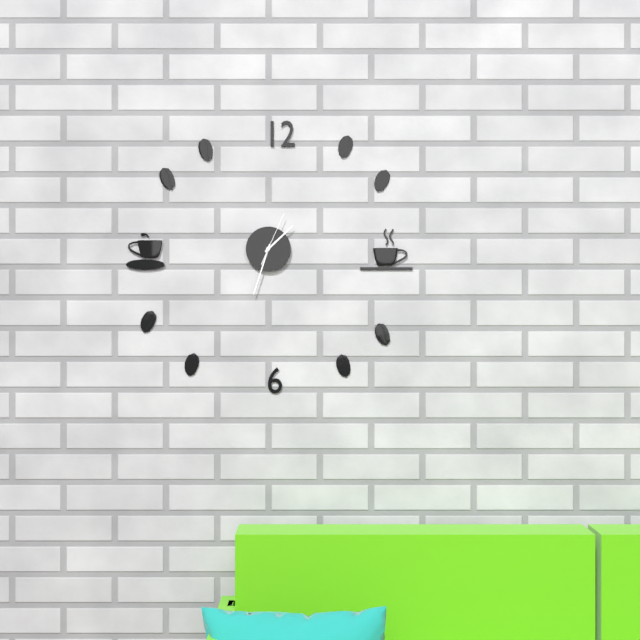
1 h 33 min
